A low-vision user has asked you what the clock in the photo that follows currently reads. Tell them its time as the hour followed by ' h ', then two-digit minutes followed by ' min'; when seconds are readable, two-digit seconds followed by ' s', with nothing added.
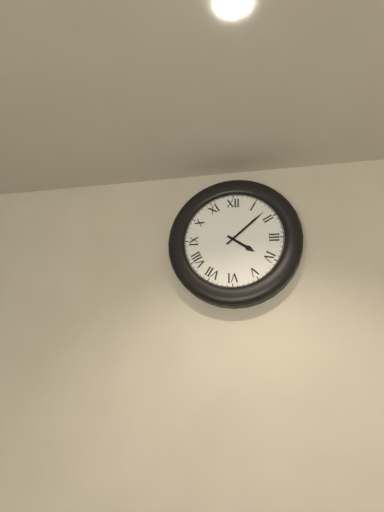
4 h 08 min
